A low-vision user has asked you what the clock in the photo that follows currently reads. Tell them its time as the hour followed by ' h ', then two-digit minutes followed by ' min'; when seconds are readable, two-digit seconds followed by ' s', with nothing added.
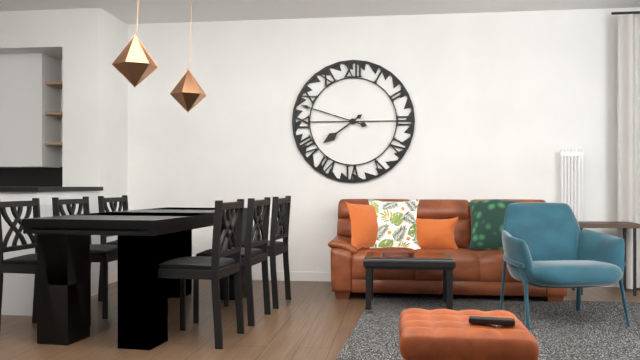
7 h 48 min
